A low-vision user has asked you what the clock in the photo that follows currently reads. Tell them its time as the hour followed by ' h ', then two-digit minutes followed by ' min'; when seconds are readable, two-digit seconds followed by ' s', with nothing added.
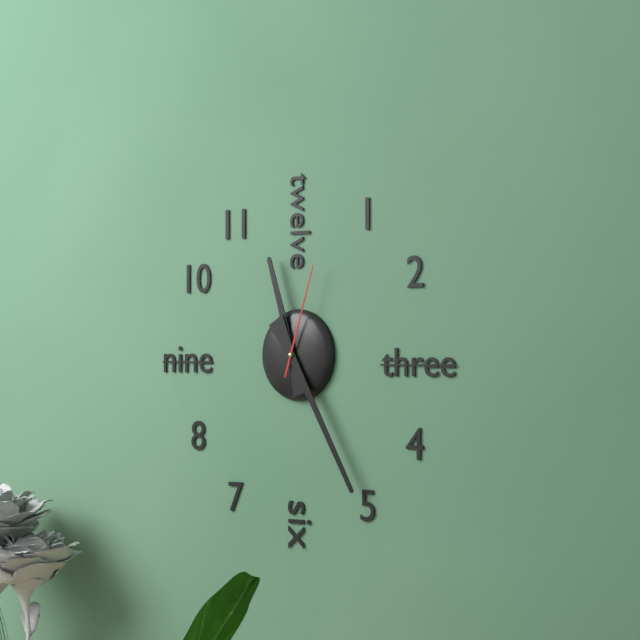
11 h 25 min 03 s
